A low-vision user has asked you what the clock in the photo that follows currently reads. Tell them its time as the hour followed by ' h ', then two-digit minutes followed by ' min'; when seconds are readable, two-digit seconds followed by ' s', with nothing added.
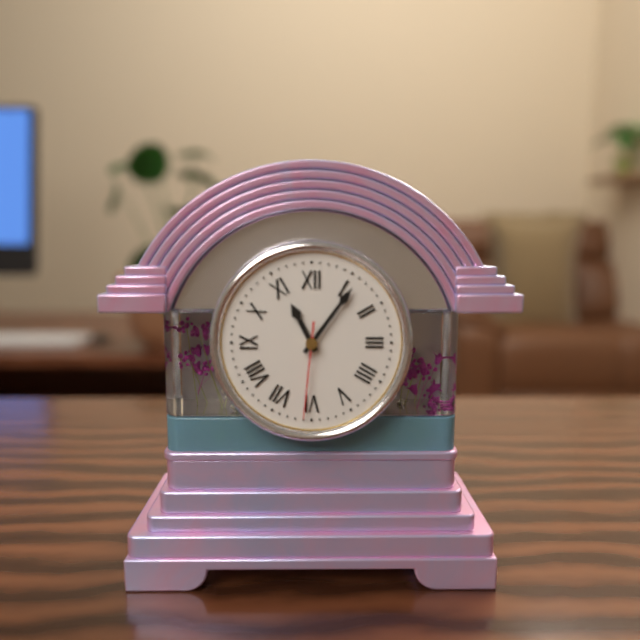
11 h 06 min 31 s
